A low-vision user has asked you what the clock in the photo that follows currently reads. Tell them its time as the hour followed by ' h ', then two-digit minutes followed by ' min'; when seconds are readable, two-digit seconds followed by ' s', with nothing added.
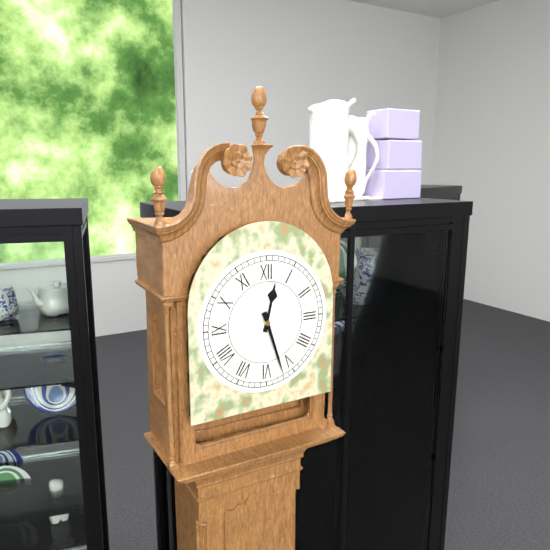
12 h 27 min
